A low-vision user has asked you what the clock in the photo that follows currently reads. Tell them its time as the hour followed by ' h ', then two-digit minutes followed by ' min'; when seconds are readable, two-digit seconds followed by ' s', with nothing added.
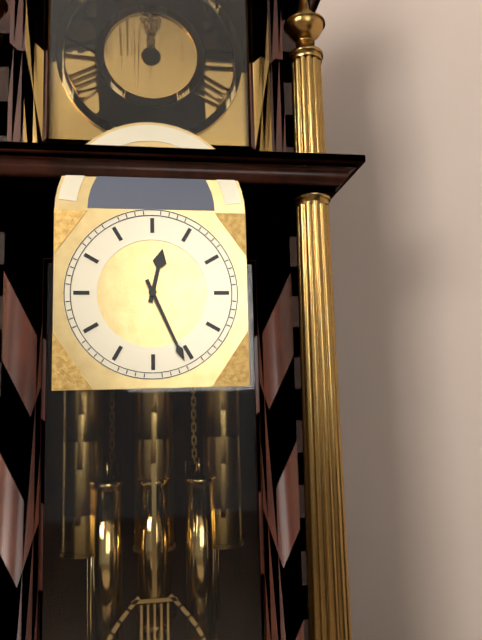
12 h 26 min
